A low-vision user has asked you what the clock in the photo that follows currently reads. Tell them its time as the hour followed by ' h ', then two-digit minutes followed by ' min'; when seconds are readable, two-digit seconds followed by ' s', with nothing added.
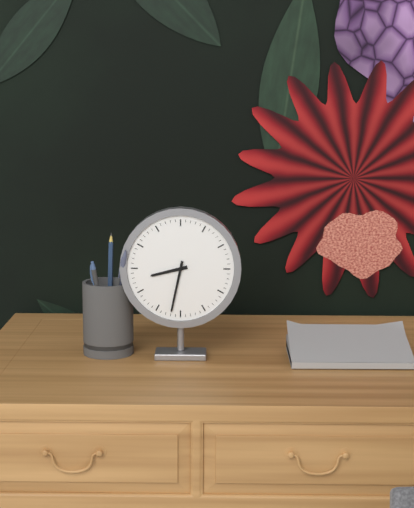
8 h 32 min
